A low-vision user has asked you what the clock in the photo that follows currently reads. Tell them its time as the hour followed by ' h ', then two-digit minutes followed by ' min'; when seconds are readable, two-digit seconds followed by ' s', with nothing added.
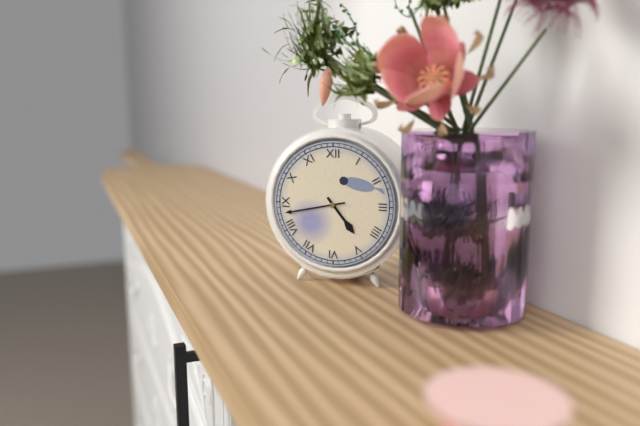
4 h 43 min
